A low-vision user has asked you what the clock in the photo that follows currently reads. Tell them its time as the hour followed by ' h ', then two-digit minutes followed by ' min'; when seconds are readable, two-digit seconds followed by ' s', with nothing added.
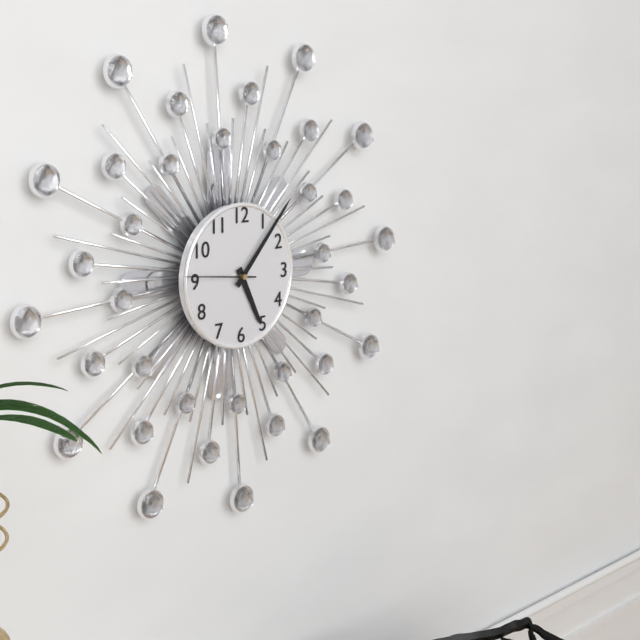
5 h 07 min 46 s
